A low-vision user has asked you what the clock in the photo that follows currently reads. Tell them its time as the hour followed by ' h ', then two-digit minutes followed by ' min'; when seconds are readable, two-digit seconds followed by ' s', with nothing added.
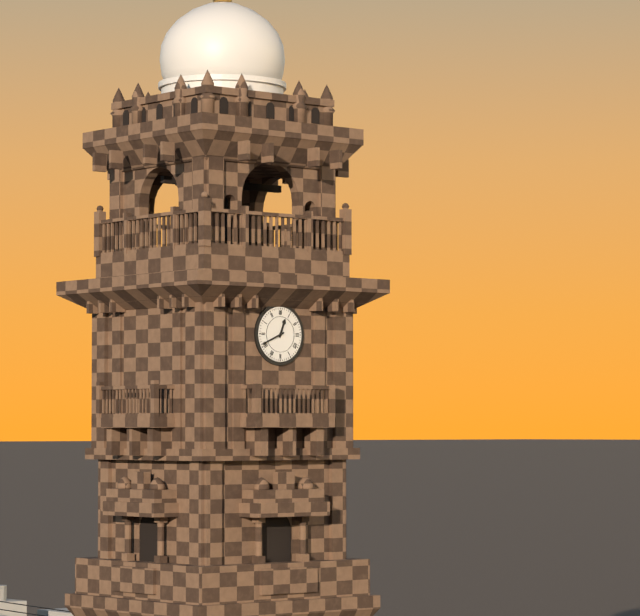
12 h 41 min
